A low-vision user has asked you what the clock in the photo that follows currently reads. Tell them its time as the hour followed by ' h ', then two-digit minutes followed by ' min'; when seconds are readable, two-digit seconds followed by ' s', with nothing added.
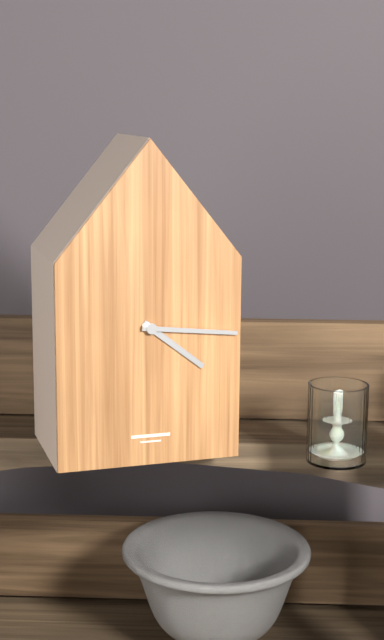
4 h 16 min
